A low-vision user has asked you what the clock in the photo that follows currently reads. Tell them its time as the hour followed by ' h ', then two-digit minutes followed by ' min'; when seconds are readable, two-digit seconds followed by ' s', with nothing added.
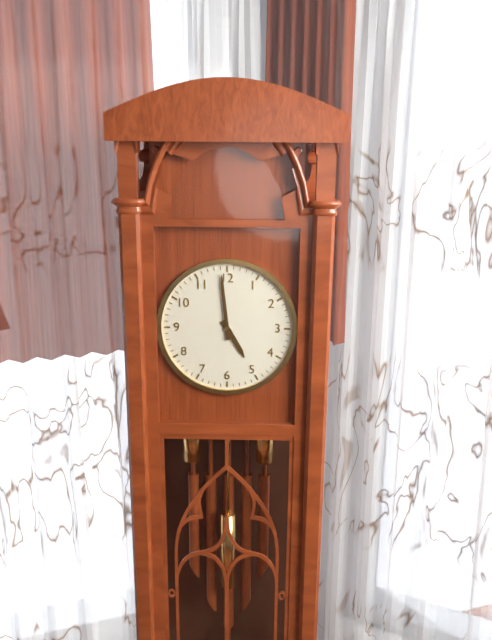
4 h 59 min
